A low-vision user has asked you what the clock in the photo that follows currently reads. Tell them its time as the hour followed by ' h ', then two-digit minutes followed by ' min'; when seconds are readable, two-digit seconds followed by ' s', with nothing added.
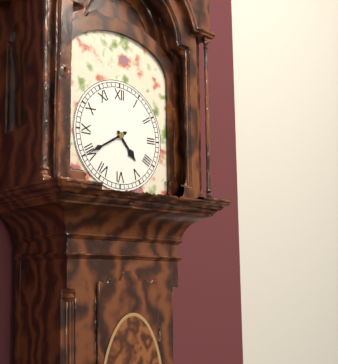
4 h 40 min
